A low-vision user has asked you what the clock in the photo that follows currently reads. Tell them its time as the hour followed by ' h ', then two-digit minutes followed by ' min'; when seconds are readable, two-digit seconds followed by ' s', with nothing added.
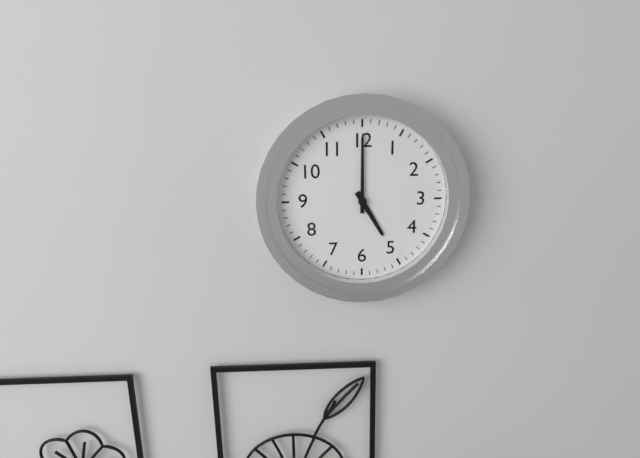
5 h 00 min
